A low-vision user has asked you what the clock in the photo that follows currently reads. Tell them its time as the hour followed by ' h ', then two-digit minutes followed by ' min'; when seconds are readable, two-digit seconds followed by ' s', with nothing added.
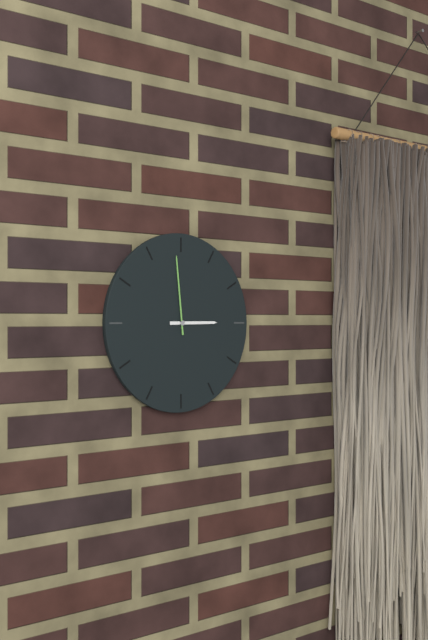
2 h 59 min
